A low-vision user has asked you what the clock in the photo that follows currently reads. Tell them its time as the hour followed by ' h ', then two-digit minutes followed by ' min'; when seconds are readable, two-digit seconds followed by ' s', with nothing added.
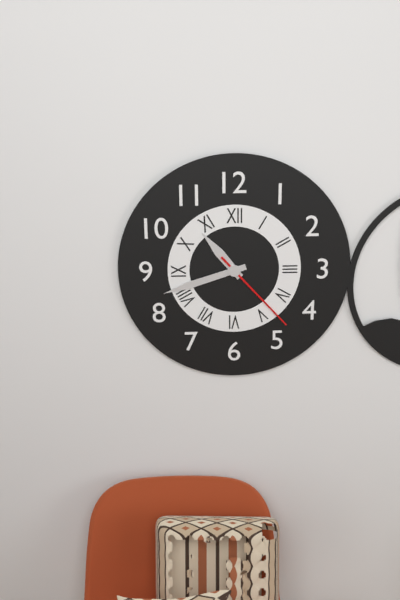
10 h 42 min 23 s
